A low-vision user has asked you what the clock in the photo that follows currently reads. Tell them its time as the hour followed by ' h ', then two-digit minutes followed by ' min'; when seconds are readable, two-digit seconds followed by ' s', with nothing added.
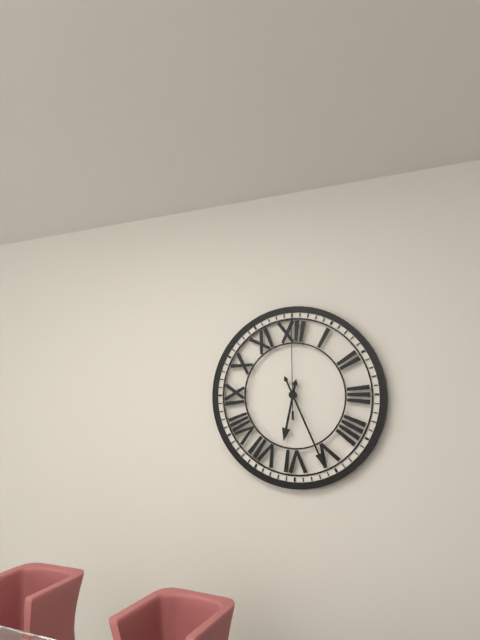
6 h 26 min 00 s
